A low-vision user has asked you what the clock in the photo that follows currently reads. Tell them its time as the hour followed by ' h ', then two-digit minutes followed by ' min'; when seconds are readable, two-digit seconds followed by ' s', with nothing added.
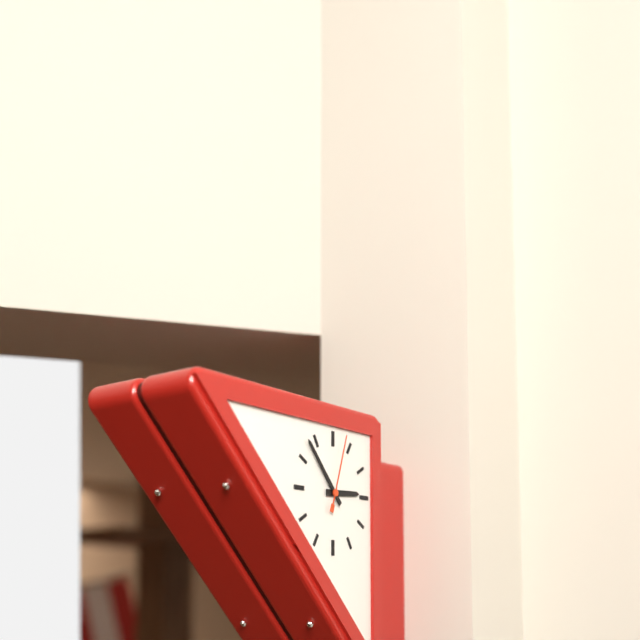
2 h 53 min 03 s
